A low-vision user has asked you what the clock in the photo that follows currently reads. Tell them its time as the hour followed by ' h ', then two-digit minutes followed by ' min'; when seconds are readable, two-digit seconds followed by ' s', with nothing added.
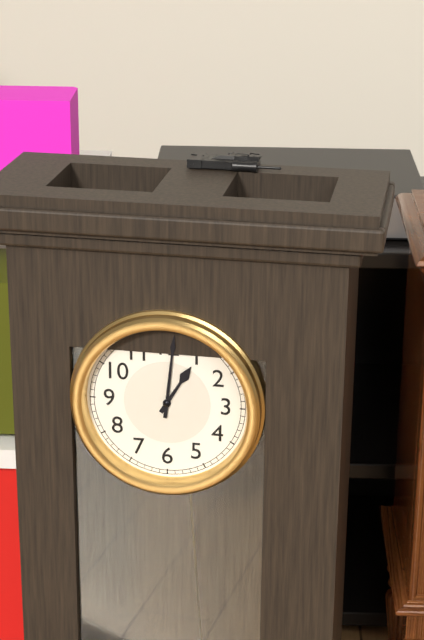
1 h 01 min
